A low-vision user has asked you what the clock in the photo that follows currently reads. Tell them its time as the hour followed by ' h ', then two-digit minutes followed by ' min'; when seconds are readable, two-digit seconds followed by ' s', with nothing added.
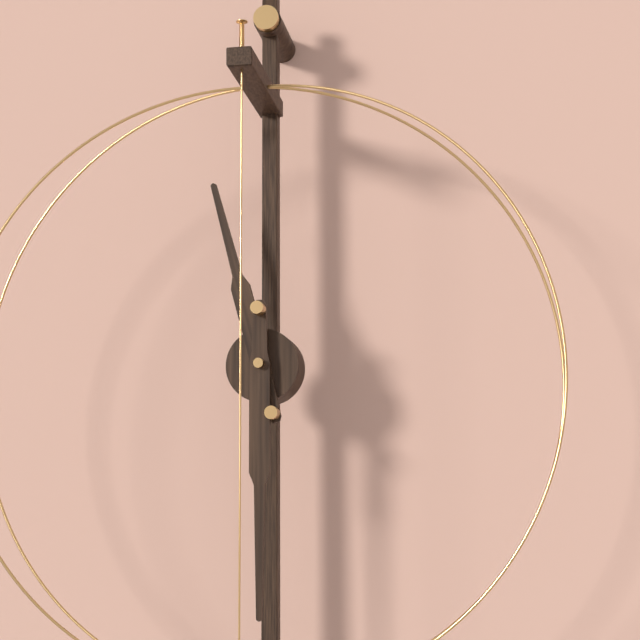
11 h 30 min
